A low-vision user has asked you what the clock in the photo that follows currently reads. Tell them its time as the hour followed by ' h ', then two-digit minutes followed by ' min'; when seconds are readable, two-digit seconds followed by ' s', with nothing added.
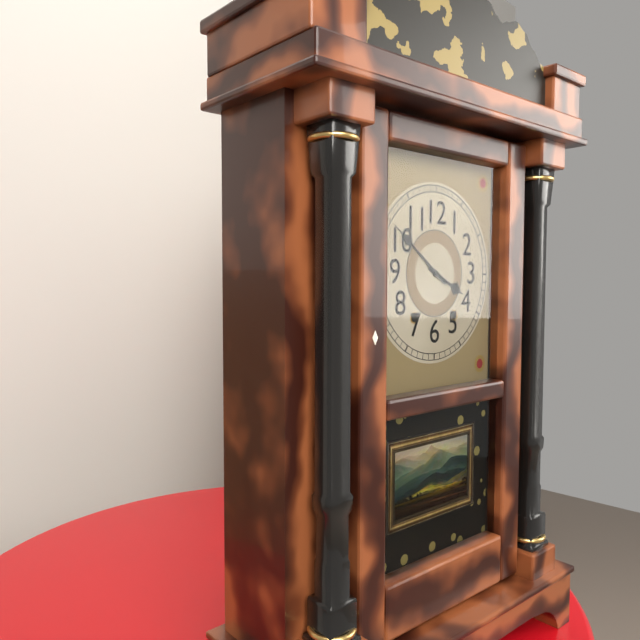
3 h 51 min
